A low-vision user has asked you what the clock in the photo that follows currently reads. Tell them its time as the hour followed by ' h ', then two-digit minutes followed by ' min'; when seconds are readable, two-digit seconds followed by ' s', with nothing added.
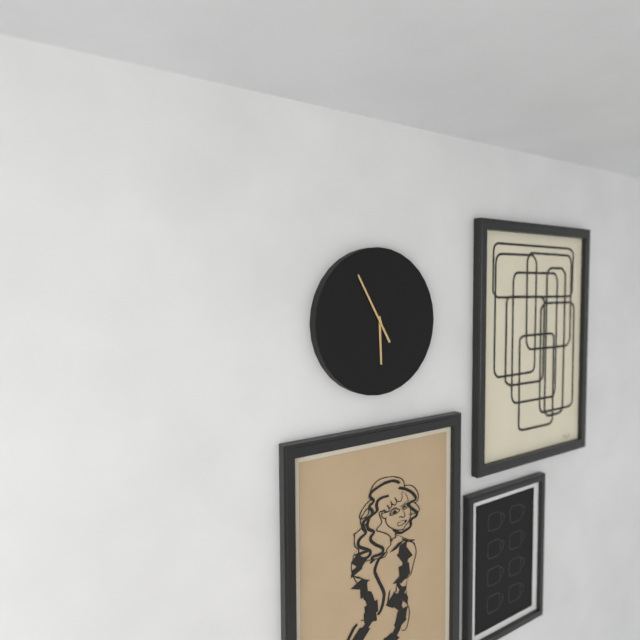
5 h 55 min
